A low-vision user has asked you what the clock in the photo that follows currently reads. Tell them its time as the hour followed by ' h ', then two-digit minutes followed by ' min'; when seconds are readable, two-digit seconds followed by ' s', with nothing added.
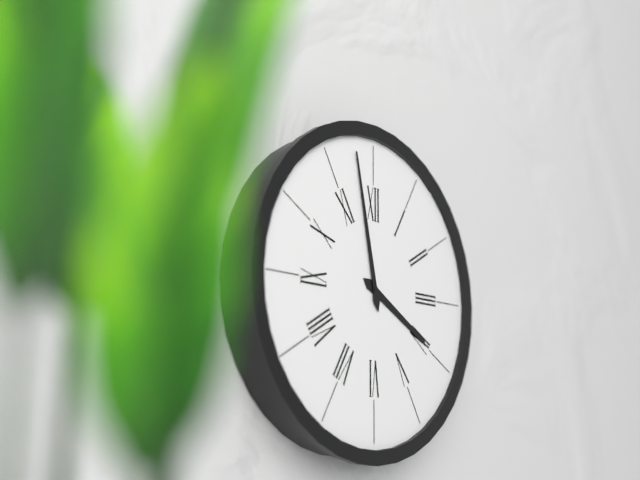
3 h 58 min
